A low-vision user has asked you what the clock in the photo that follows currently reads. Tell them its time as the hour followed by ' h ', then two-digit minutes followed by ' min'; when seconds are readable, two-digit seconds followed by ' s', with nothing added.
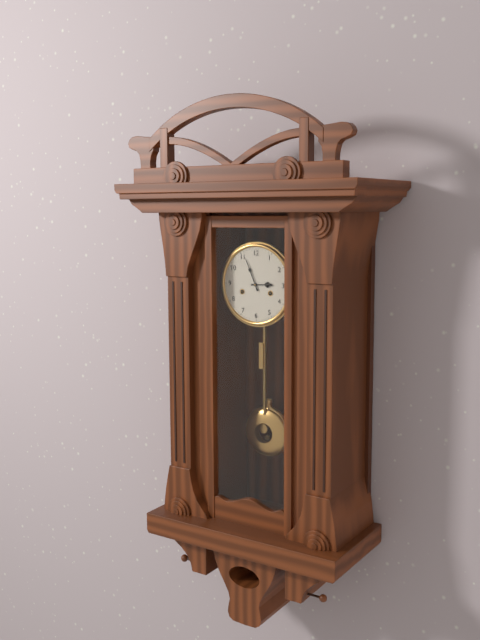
2 h 56 min
